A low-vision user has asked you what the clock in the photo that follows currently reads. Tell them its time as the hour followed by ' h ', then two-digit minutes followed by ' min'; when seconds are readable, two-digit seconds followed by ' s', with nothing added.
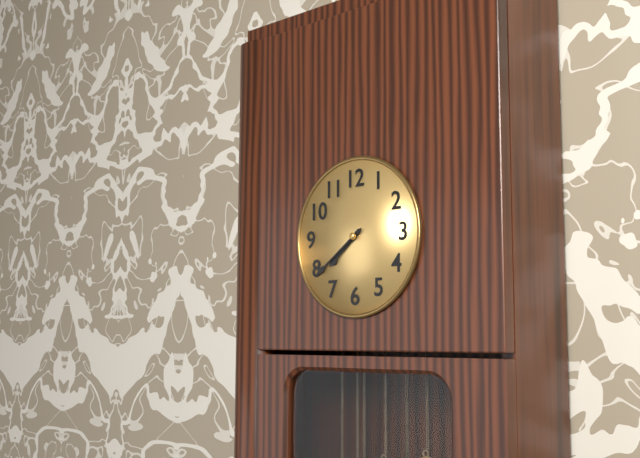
7 h 39 min
